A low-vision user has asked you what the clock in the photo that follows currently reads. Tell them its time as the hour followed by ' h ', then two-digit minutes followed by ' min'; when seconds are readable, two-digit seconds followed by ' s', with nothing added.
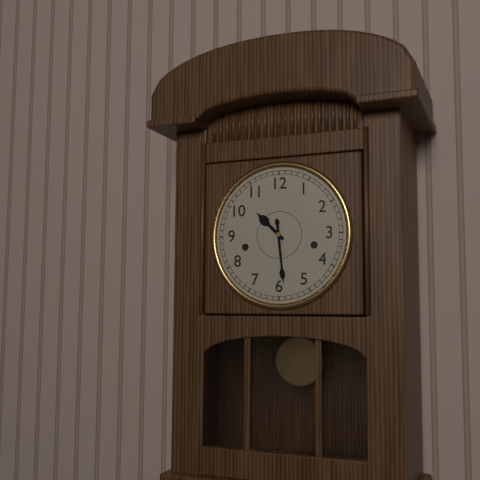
10 h 29 min
